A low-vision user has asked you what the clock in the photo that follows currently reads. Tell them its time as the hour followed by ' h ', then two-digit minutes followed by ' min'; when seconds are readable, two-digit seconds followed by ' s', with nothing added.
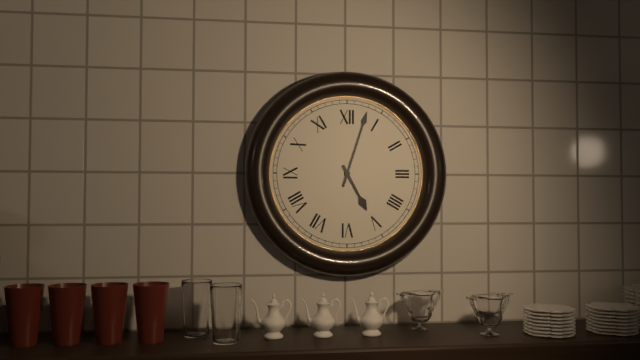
5 h 03 min
